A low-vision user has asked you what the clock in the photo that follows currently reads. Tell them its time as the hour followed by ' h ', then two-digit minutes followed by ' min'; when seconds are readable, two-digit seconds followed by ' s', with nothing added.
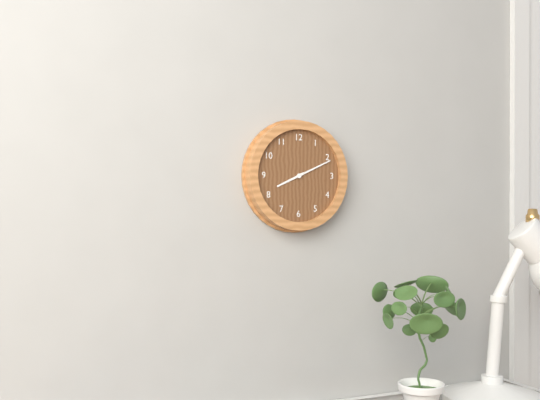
8 h 11 min
